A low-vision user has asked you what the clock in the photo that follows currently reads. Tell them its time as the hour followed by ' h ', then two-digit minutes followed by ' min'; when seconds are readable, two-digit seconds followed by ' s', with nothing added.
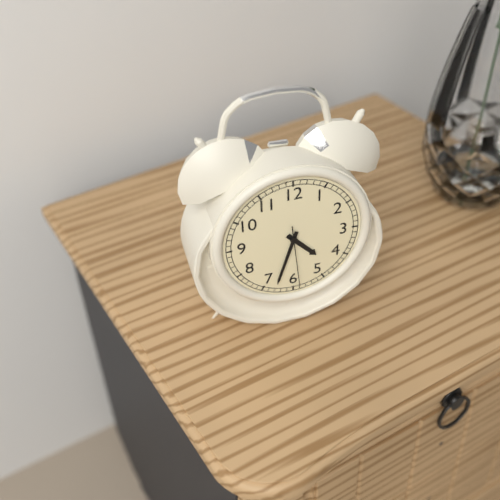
4 h 33 min 29 s
